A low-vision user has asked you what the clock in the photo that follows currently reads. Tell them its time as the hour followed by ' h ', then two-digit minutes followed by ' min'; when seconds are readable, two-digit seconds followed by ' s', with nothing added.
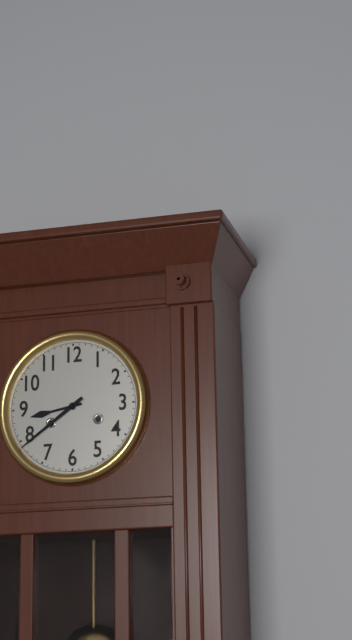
8 h 39 min
